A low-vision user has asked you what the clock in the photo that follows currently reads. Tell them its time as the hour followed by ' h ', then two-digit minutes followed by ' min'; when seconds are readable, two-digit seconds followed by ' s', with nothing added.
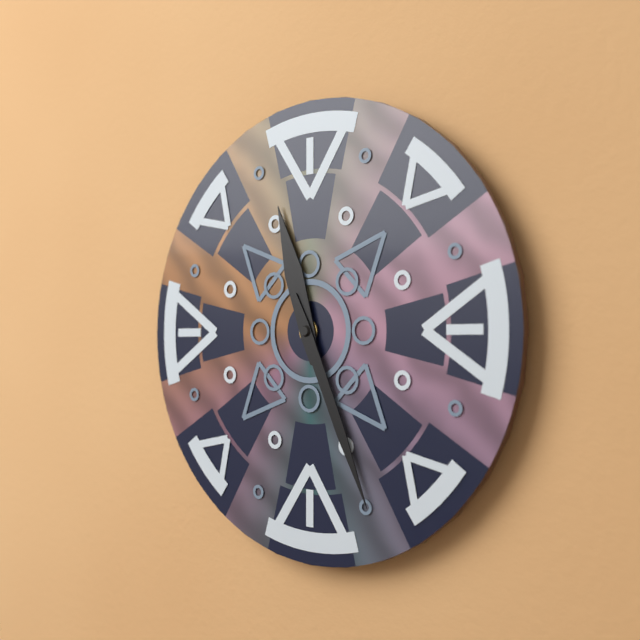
11 h 26 min
